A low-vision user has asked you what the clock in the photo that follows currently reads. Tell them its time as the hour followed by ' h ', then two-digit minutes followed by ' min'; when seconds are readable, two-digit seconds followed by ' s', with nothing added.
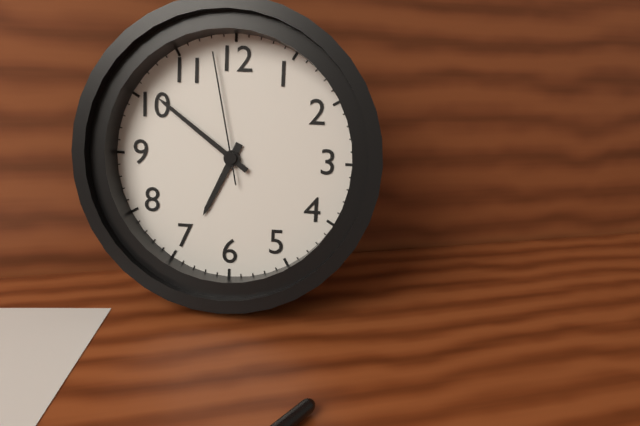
6 h 51 min 58 s
